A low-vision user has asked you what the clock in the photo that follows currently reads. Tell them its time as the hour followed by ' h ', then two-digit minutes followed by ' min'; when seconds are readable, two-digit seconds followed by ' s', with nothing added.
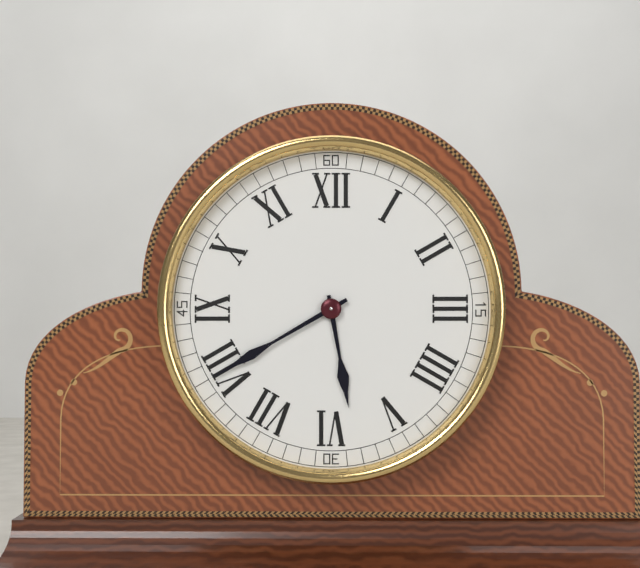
5 h 40 min
